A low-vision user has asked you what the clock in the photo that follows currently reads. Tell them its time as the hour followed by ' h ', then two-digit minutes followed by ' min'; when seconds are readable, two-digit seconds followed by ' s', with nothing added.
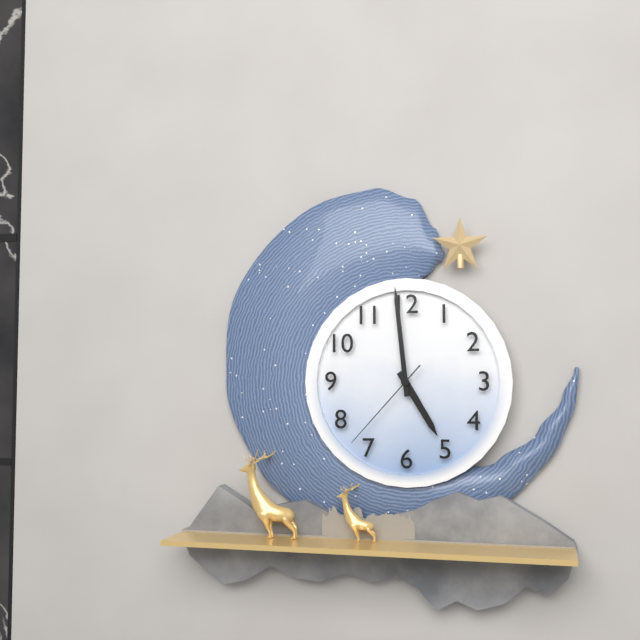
4 h 59 min 37 s
